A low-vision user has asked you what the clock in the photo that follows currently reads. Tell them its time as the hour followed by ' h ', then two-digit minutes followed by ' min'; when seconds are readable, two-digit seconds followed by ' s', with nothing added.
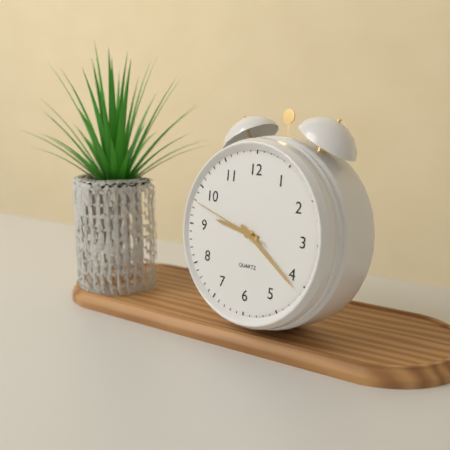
9 h 21 min 48 s
